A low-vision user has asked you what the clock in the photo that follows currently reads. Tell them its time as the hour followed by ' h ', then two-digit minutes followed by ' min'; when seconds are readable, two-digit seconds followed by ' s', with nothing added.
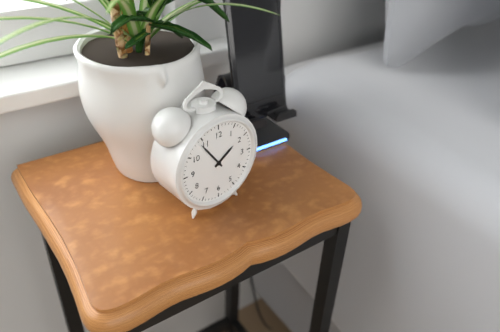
1 h 54 min
